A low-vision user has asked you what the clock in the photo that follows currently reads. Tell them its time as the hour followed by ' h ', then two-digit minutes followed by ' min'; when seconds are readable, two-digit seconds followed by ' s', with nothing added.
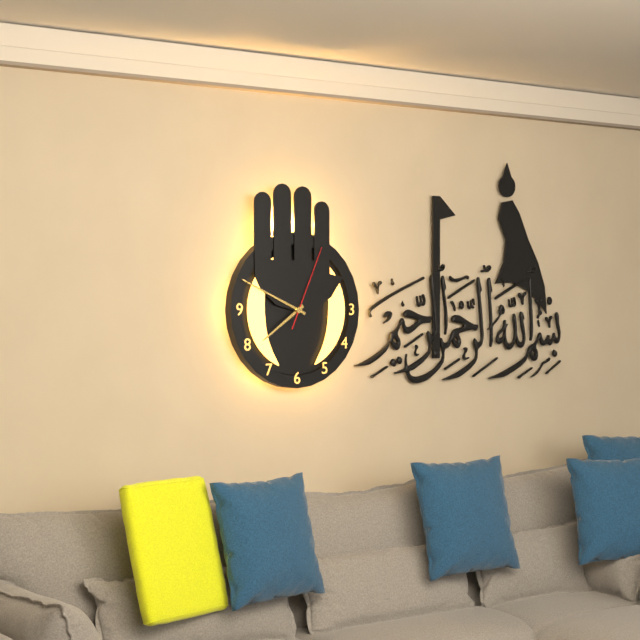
7 h 49 min 04 s
